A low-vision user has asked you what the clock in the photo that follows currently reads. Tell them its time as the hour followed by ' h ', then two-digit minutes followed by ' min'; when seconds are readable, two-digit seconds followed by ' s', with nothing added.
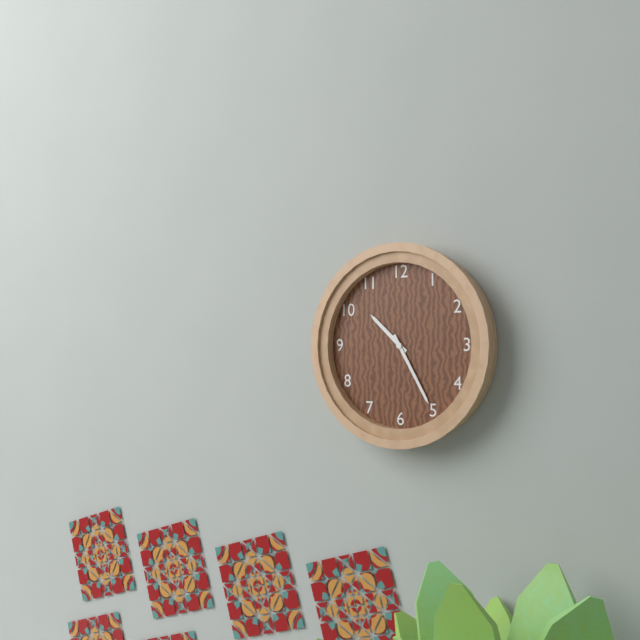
10 h 25 min
